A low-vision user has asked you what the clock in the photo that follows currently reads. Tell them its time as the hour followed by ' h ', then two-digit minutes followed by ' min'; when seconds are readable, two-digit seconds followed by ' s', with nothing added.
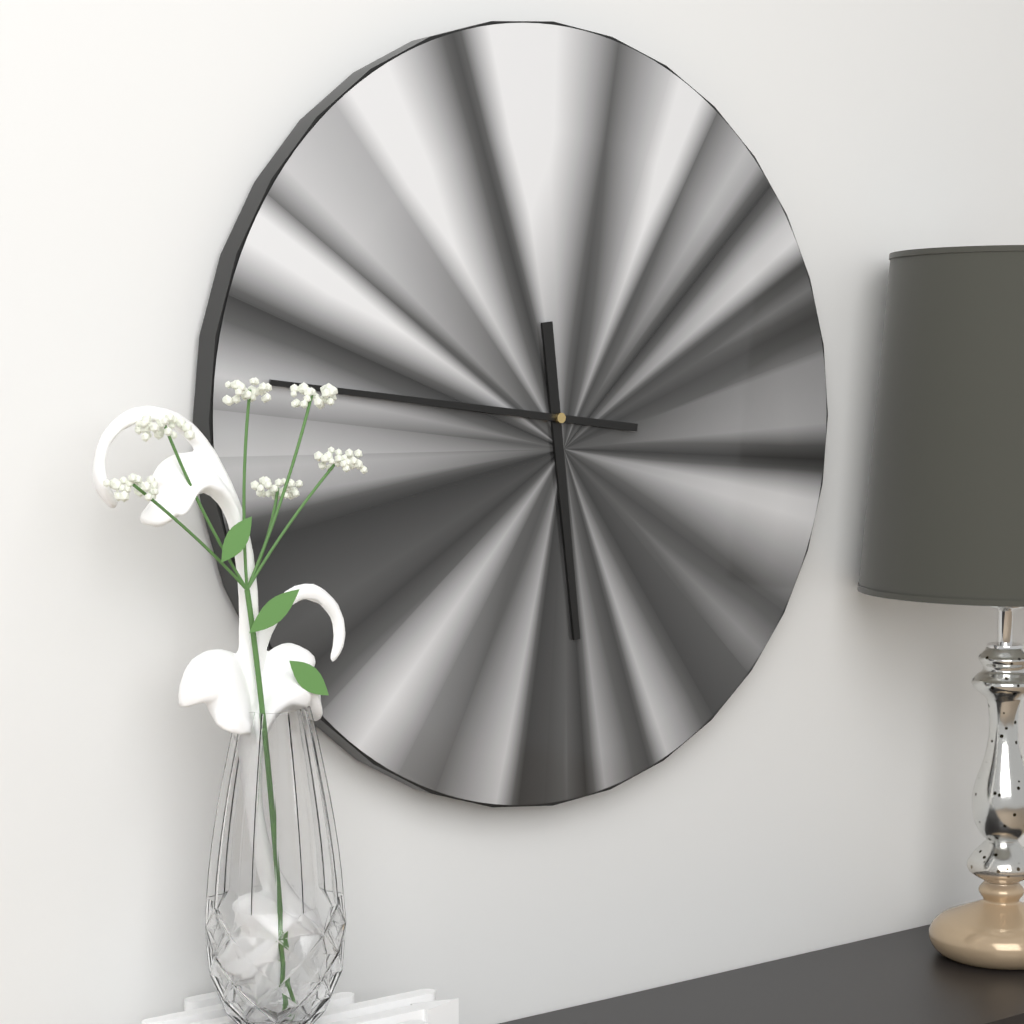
5 h 46 min
